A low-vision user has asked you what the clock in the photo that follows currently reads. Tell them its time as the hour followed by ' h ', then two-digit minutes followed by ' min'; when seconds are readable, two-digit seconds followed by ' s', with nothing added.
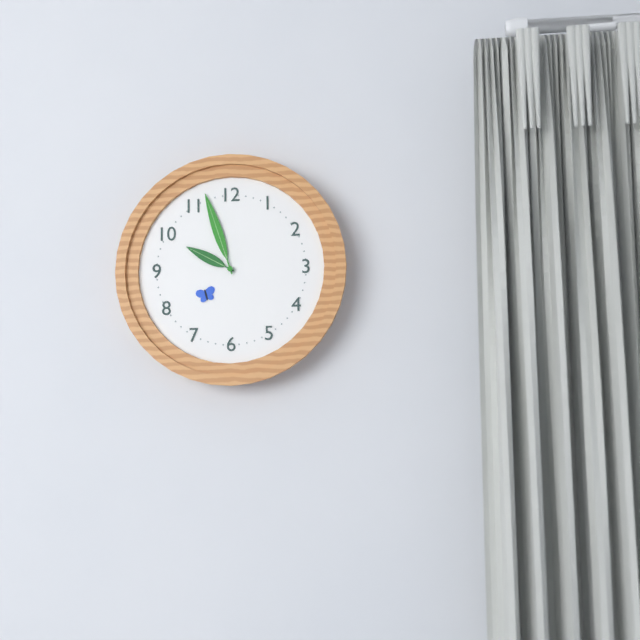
9 h 57 min
